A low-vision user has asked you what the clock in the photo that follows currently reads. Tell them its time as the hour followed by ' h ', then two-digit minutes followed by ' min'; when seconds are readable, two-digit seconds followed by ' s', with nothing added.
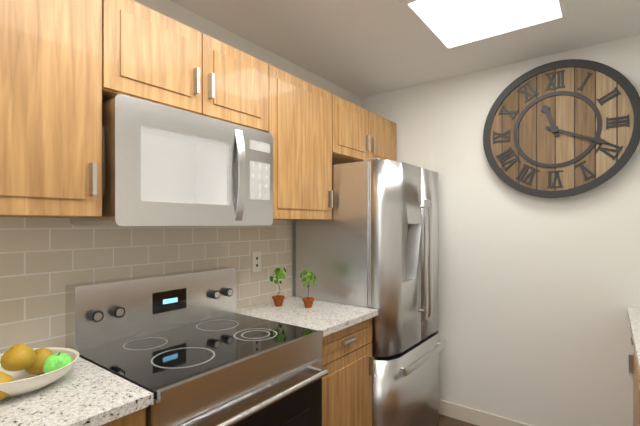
11 h 19 min
